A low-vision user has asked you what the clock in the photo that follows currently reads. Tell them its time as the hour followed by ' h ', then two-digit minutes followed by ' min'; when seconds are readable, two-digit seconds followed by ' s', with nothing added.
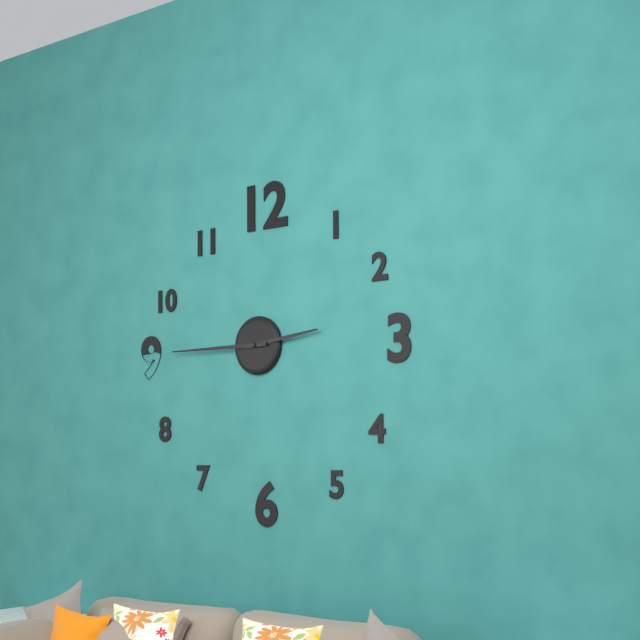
2 h 45 min
